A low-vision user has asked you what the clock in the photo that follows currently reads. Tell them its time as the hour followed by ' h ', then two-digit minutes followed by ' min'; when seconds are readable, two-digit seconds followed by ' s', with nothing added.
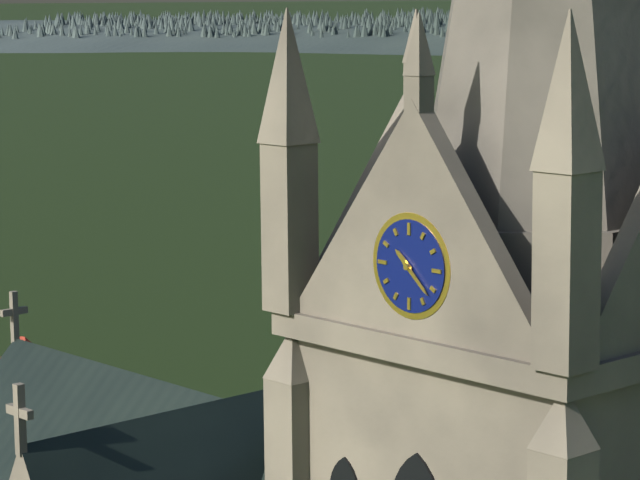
10 h 22 min
